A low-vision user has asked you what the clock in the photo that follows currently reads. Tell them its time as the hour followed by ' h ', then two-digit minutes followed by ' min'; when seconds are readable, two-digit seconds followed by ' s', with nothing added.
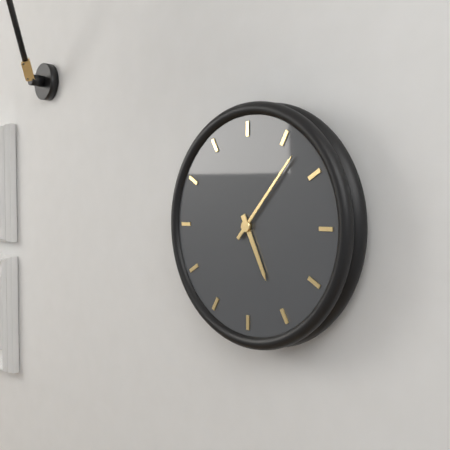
5 h 07 min
